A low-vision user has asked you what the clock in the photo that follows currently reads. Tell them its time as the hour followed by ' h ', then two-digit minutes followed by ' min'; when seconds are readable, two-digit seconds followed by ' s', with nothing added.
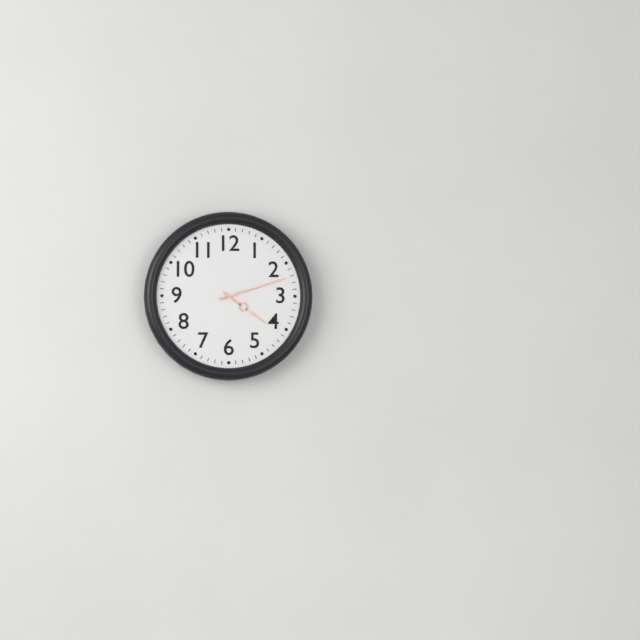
4 h 12 min
